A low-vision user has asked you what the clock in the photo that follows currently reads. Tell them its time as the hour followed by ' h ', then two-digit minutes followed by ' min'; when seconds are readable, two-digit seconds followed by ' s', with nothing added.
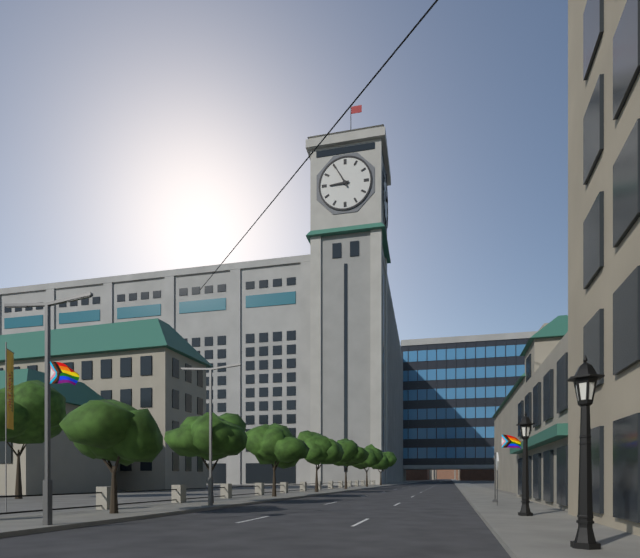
8 h 55 min
